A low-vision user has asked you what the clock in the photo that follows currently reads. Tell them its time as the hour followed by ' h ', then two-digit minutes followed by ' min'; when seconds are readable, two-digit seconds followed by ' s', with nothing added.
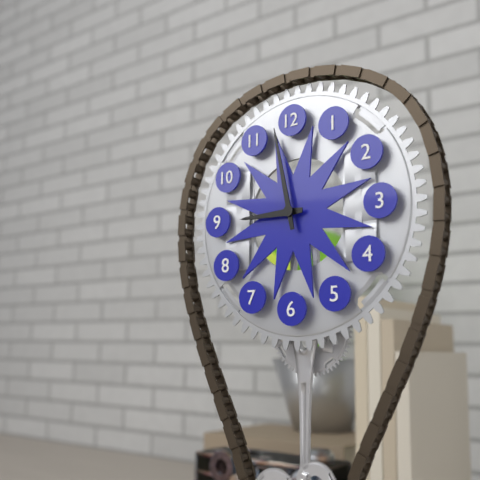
8 h 58 min
